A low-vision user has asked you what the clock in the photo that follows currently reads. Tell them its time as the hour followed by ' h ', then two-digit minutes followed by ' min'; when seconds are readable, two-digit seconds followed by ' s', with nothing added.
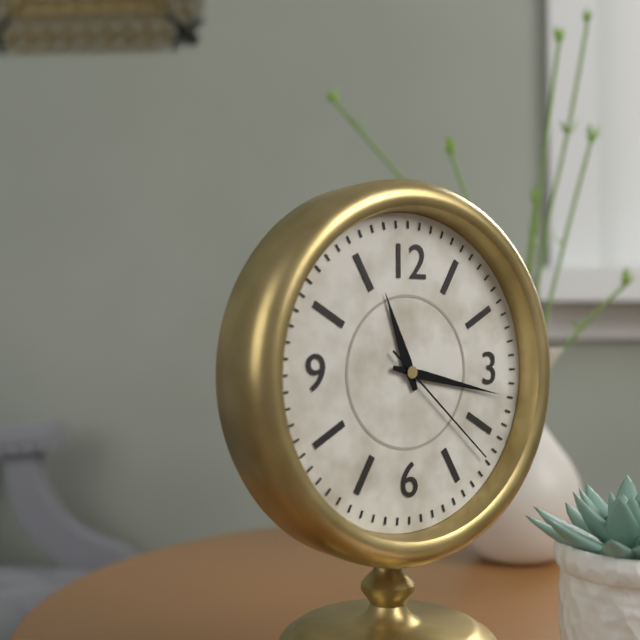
11 h 17 min 22 s
